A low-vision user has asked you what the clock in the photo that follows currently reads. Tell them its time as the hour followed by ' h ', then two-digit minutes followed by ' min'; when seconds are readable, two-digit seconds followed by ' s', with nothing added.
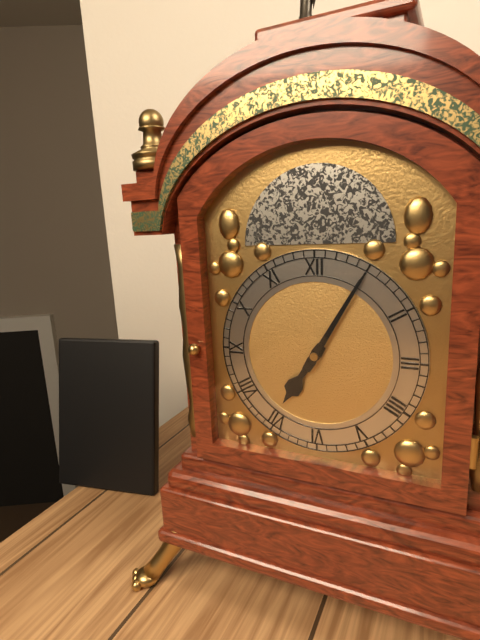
7 h 05 min
